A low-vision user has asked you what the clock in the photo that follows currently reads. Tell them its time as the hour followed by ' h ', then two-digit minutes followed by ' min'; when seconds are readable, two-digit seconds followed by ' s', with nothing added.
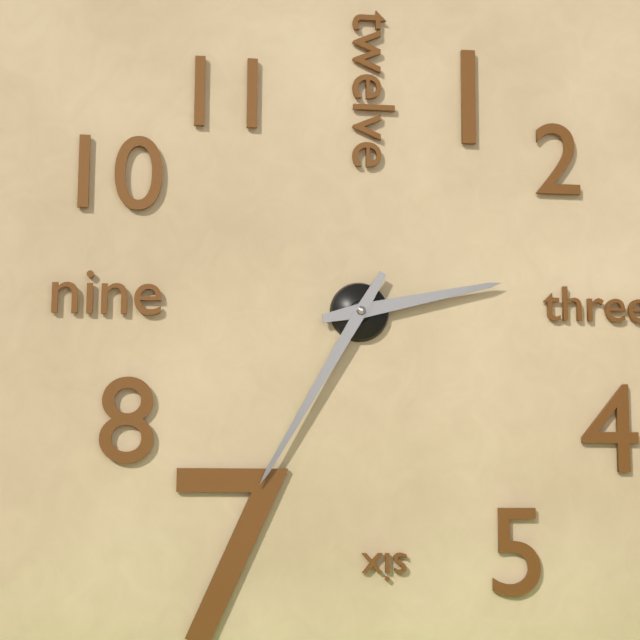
2 h 35 min
